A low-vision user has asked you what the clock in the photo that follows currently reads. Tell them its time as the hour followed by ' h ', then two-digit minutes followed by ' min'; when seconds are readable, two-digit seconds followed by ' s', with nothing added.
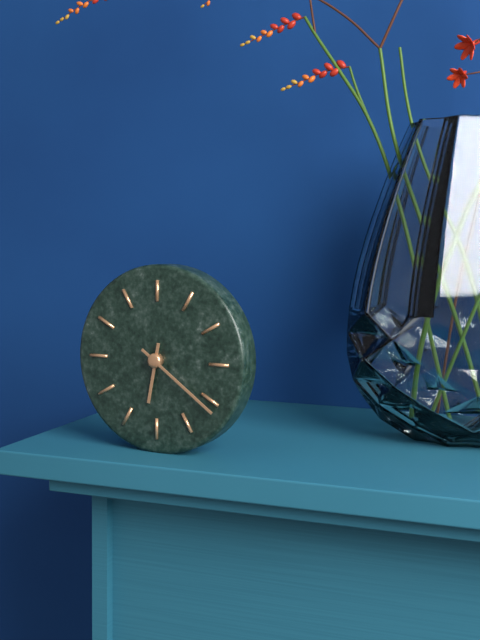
6 h 21 min
